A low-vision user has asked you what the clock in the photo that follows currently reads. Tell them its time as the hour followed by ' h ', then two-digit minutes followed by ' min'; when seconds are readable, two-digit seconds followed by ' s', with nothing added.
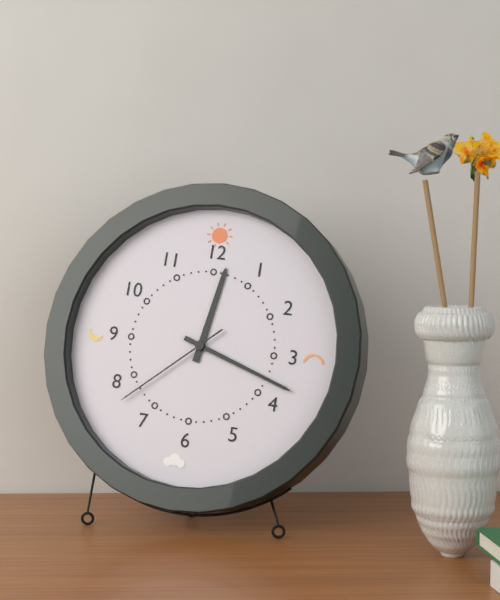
12 h 18 min 38 s
